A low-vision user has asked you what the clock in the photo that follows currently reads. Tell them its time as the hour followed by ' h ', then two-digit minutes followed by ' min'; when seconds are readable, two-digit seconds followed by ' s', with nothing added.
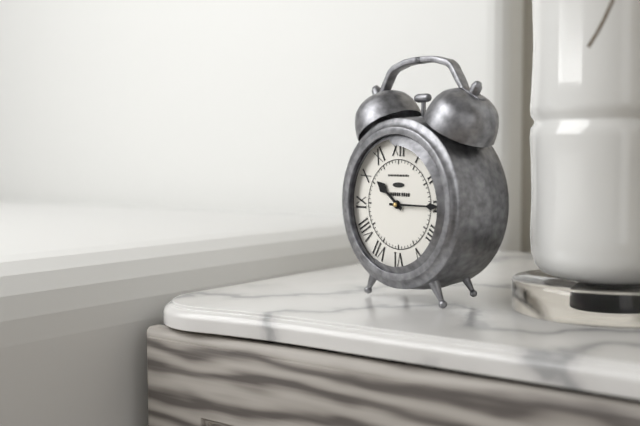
10 h 15 min
